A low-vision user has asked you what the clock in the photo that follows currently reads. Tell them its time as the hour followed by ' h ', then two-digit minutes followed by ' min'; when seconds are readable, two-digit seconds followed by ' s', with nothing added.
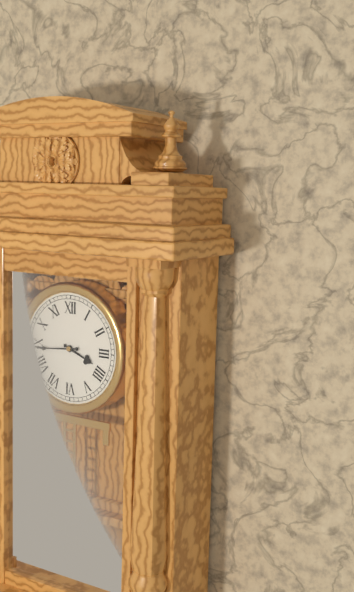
3 h 44 min
